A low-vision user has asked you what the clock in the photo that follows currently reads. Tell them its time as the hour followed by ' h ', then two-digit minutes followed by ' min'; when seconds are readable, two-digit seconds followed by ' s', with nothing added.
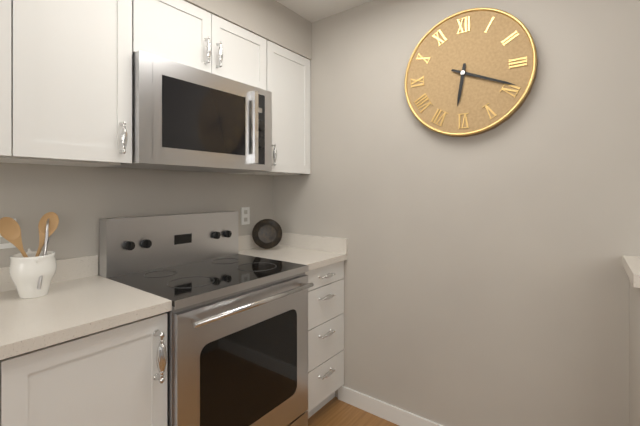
6 h 19 min
